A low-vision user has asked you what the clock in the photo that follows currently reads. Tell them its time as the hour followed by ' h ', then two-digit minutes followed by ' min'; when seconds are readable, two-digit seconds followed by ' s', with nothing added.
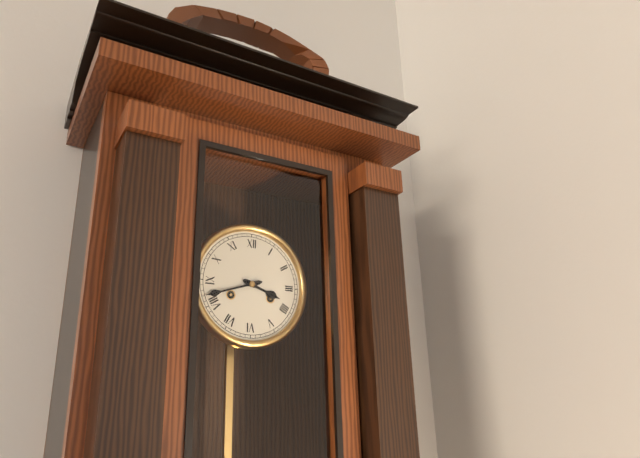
3 h 42 min
